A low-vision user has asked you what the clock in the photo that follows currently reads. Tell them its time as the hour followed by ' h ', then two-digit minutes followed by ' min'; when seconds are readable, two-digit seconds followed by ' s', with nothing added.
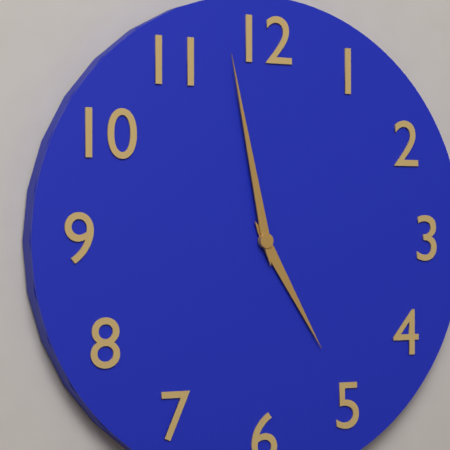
4 h 58 min
